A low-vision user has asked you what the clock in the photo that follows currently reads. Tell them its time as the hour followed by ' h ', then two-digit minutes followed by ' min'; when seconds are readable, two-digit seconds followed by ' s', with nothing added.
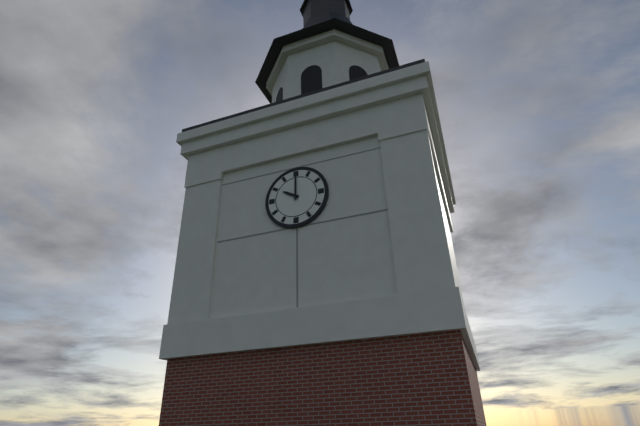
10 h 00 min
